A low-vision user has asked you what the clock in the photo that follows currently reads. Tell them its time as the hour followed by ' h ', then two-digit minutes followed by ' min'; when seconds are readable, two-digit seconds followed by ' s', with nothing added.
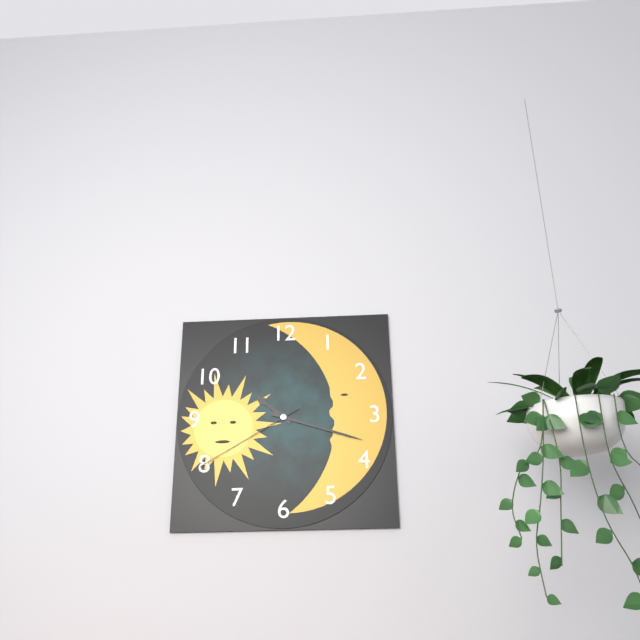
10 h 18 min 40 s
